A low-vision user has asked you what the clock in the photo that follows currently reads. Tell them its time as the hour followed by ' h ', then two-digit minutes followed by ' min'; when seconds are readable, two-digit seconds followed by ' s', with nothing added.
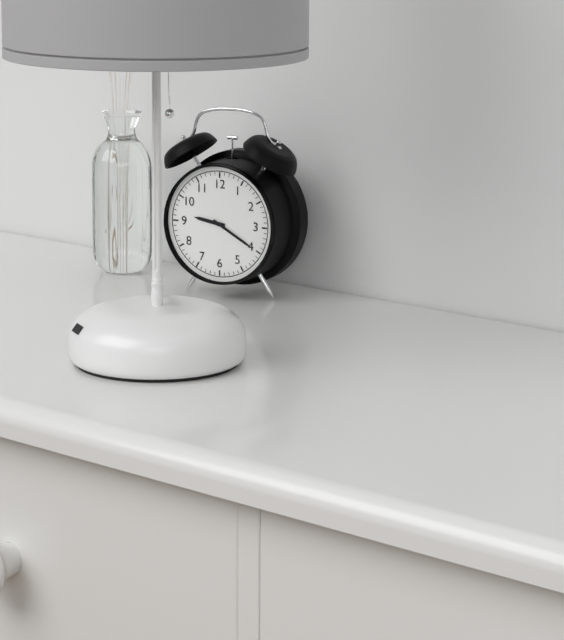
9 h 20 min
